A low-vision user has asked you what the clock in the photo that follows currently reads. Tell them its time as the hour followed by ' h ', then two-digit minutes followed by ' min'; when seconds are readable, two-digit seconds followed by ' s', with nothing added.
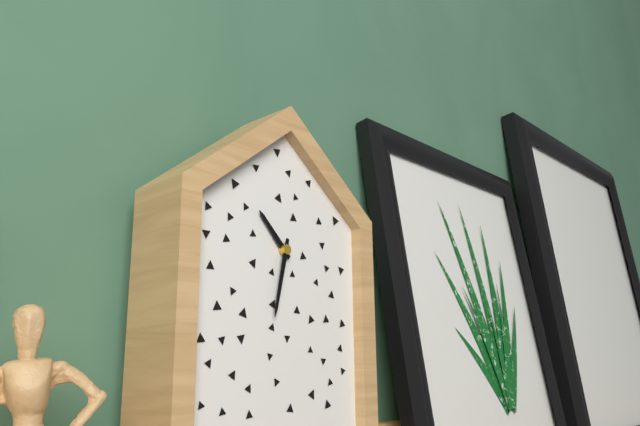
10 h 32 min
